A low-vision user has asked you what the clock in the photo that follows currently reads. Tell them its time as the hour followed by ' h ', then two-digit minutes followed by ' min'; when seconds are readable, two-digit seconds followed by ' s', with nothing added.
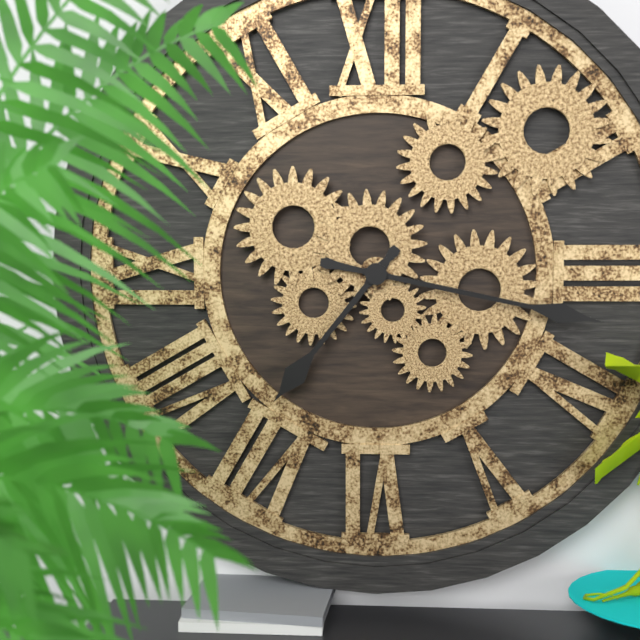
7 h 17 min
